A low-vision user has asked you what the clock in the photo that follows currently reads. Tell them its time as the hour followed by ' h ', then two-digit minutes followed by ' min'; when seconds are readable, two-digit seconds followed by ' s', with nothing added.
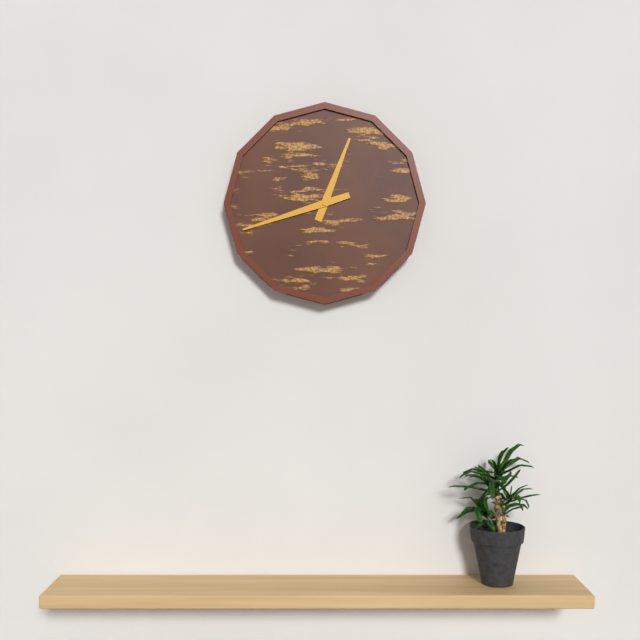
12 h 42 min
